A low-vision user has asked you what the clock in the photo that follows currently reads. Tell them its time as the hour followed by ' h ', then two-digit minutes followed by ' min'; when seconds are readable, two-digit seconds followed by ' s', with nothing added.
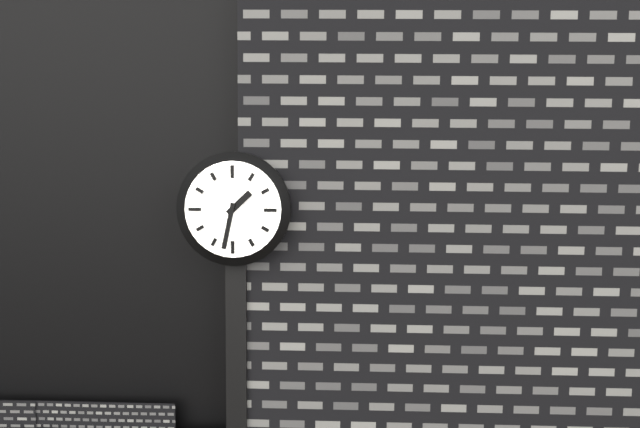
1 h 32 min
